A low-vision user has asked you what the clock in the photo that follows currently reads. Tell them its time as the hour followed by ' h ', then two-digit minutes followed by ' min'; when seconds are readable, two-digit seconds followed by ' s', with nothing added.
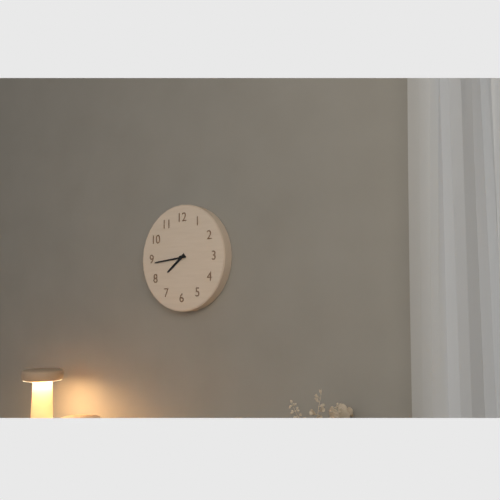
7 h 44 min
